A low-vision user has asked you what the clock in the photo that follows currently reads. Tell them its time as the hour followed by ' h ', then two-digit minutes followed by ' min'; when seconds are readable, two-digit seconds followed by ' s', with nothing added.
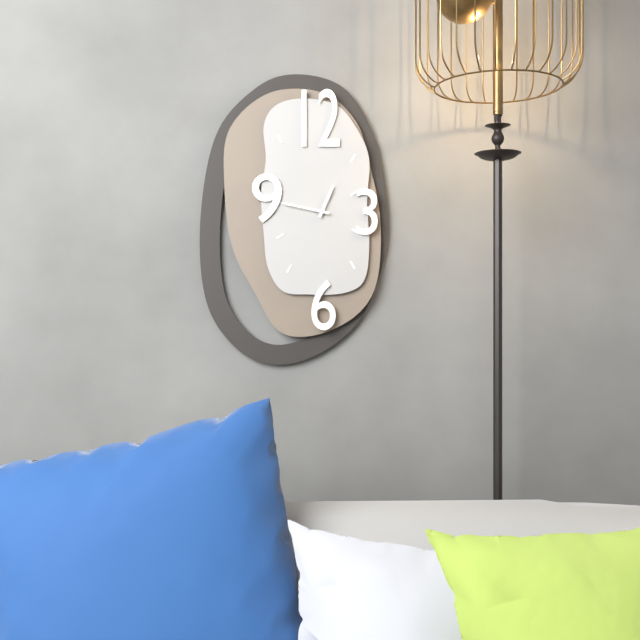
12 h 47 min
